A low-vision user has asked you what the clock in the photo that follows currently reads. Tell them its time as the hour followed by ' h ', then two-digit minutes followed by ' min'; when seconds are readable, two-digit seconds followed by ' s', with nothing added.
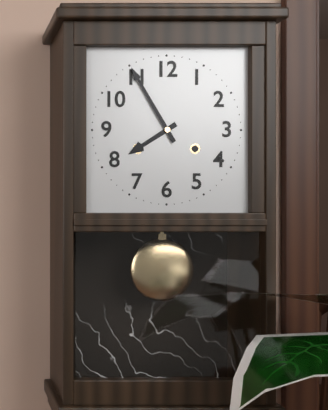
7 h 55 min
